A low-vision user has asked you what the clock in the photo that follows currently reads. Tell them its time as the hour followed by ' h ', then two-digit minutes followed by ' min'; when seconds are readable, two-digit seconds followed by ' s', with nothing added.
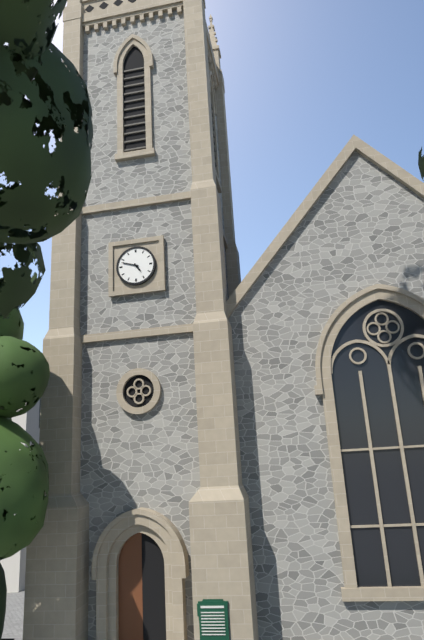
4 h 48 min
